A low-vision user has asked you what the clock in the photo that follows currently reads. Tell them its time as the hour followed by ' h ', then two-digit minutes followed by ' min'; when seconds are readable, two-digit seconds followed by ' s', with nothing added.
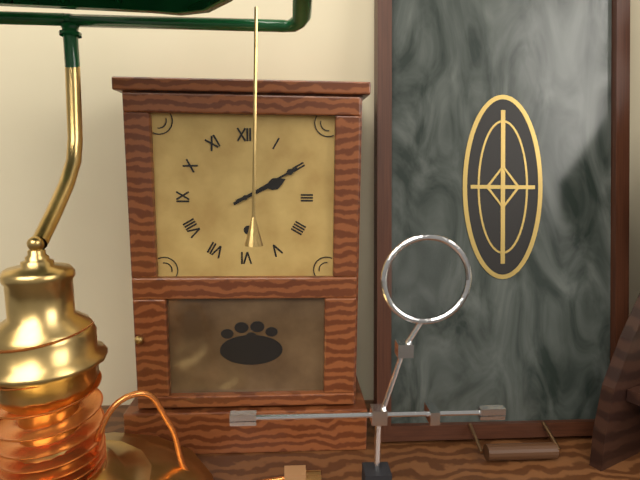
2 h 10 min
